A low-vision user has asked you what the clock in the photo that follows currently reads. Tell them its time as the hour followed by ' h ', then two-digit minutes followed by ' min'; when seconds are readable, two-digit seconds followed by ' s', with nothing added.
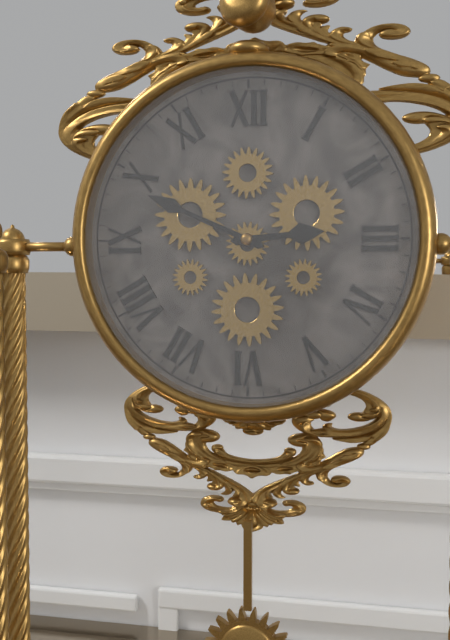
2 h 49 min
